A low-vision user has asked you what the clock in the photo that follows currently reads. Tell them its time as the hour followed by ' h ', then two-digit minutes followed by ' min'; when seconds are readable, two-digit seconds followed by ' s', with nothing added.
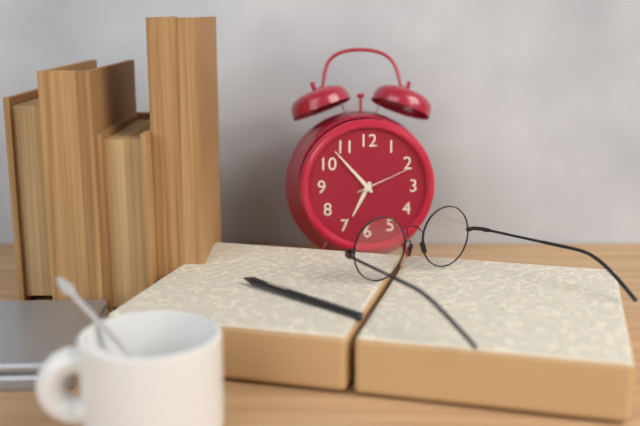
6 h 53 min 11 s
